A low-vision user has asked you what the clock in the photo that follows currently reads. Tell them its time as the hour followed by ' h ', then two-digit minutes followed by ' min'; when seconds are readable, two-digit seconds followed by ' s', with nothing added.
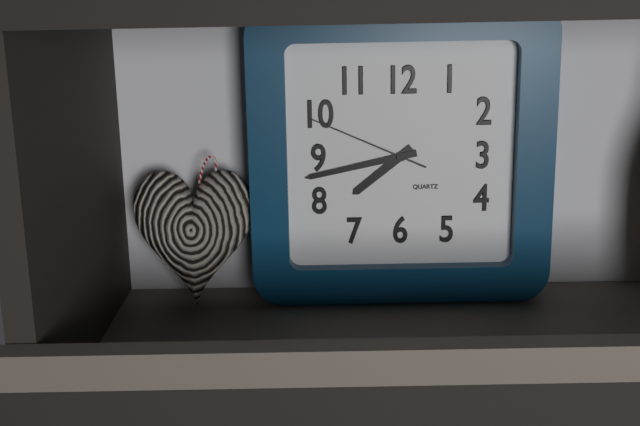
7 h 43 min 49 s
